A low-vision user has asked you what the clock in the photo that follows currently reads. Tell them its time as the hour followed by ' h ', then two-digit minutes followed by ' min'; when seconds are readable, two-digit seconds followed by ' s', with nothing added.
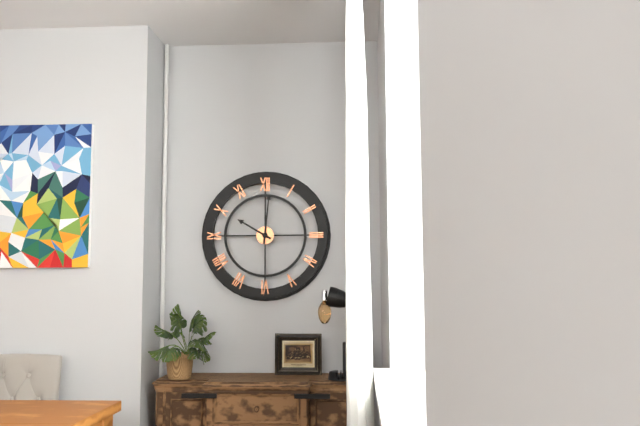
10 h 01 min
